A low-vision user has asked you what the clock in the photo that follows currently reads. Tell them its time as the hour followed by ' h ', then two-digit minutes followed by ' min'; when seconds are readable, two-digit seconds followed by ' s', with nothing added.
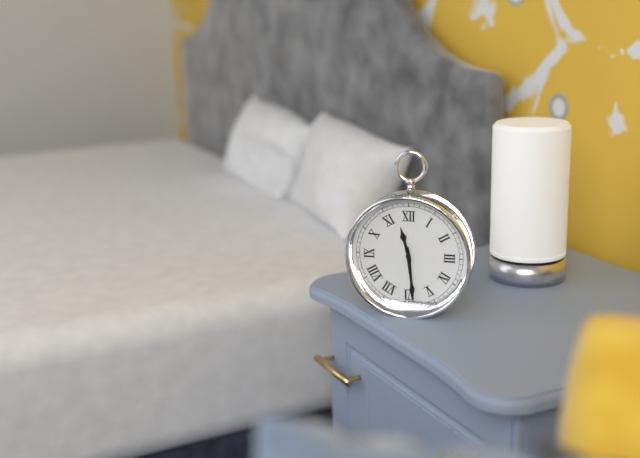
11 h 29 min
